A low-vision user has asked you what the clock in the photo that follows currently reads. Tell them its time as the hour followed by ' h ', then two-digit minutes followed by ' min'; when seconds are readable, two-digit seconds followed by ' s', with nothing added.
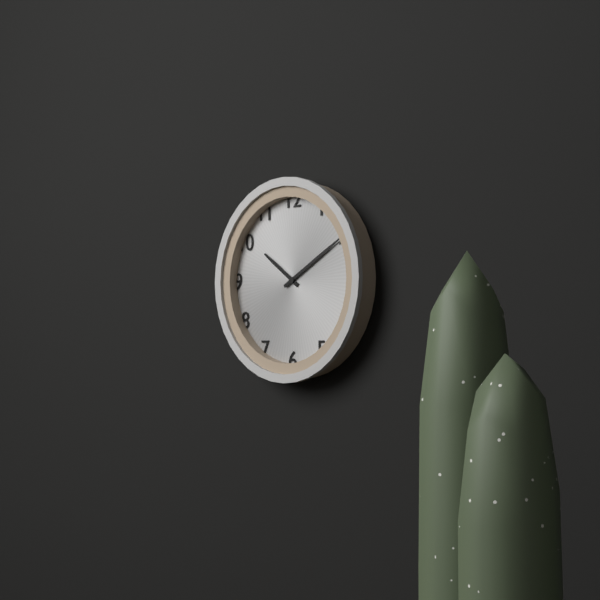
10 h 10 min
